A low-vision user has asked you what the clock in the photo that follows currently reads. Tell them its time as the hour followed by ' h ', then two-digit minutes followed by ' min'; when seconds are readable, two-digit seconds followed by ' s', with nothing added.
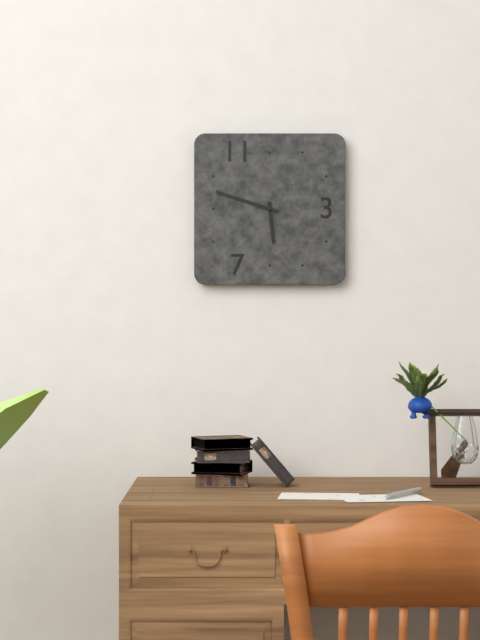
5 h 48 min
